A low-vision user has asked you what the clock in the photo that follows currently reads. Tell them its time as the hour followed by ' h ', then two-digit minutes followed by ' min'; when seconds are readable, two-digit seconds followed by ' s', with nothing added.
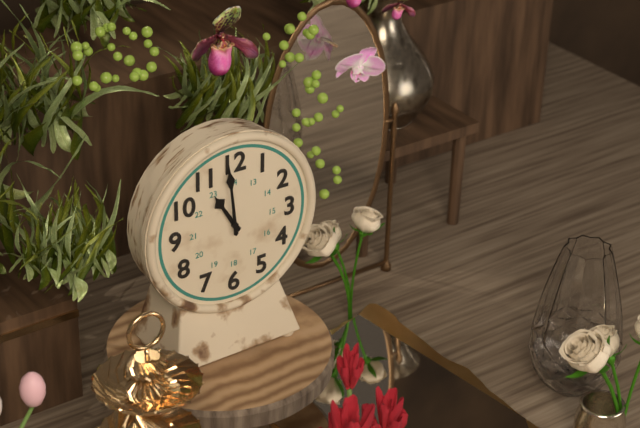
10 h 59 min
